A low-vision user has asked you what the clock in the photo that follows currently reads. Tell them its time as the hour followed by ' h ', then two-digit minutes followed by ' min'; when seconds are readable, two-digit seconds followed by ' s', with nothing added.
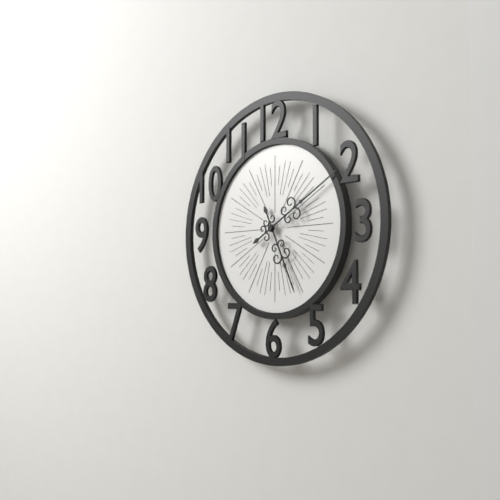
5 h 10 min
